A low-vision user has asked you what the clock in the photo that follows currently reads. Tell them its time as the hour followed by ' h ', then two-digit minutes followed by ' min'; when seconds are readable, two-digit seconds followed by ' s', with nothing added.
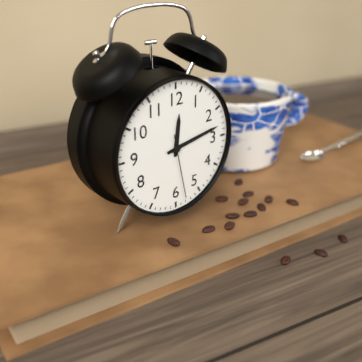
12 h 13 min 28 s
